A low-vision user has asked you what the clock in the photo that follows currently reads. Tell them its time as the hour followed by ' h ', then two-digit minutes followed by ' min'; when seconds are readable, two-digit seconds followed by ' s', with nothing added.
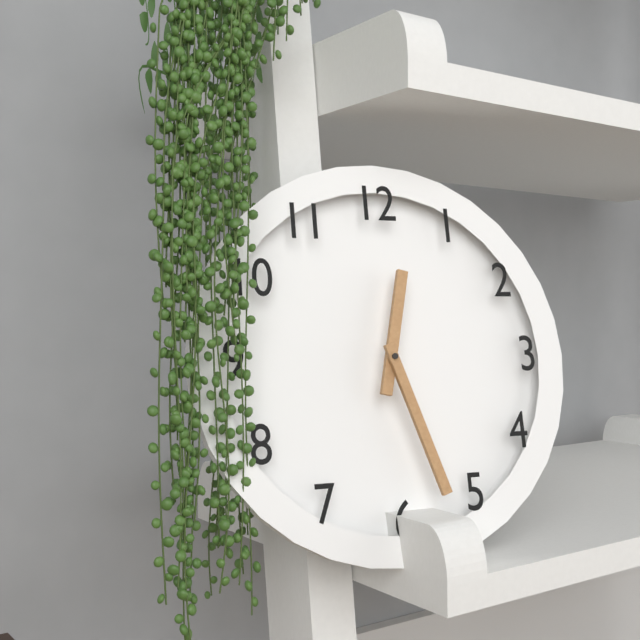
12 h 27 min
